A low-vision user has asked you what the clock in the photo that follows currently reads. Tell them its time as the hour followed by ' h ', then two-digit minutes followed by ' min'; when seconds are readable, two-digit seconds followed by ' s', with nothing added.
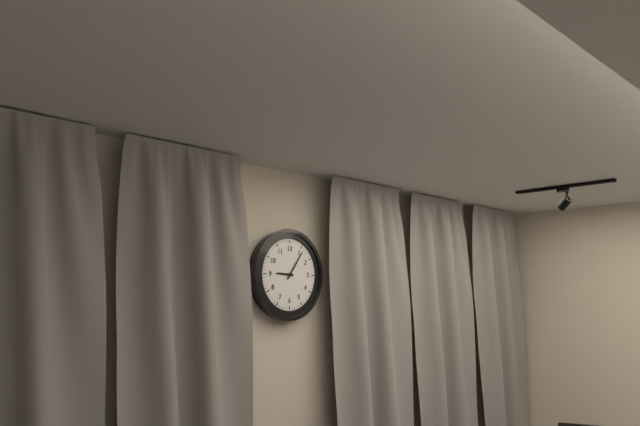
9 h 06 min
